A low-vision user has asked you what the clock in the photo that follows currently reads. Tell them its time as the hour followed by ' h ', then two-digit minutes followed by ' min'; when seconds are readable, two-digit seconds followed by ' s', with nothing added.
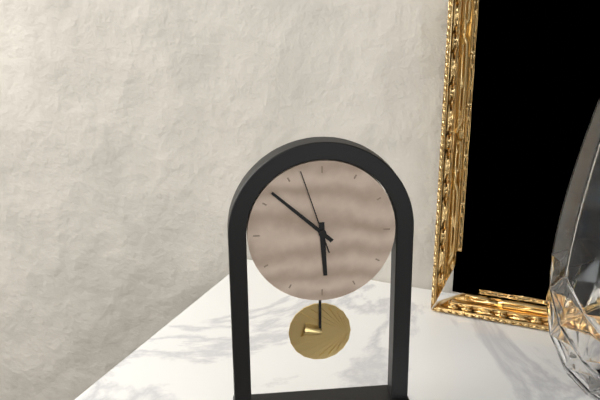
5 h 52 min 57 s
